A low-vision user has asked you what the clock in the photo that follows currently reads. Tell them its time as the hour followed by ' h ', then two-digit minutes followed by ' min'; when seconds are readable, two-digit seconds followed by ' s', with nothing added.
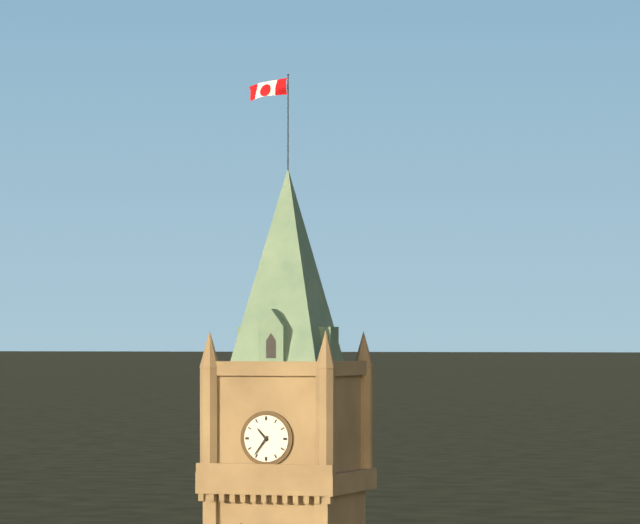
10 h 36 min
